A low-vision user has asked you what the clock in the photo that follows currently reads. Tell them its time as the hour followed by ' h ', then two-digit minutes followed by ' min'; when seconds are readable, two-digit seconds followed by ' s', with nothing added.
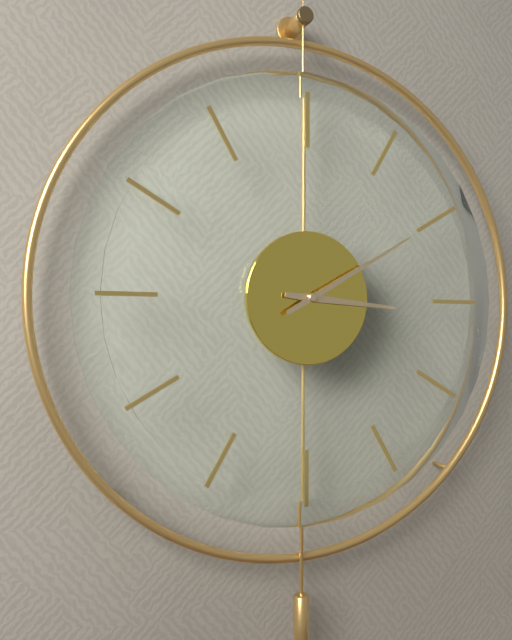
3 h 10 min
